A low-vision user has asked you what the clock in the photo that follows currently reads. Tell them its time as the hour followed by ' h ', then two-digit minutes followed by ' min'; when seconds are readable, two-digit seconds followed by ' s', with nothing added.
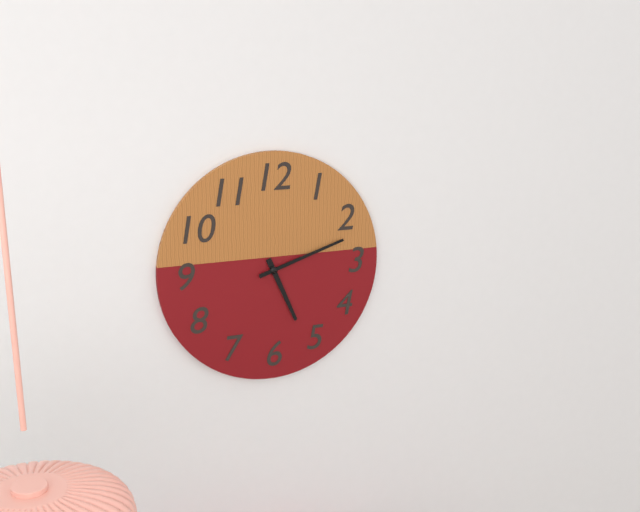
5 h 12 min
